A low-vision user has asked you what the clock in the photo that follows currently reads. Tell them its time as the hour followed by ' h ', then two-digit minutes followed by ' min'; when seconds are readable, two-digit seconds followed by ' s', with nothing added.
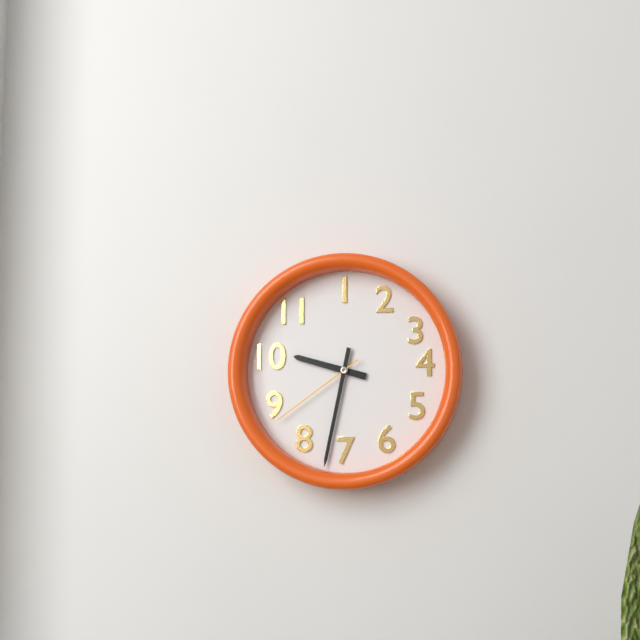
9 h 32 min 39 s
